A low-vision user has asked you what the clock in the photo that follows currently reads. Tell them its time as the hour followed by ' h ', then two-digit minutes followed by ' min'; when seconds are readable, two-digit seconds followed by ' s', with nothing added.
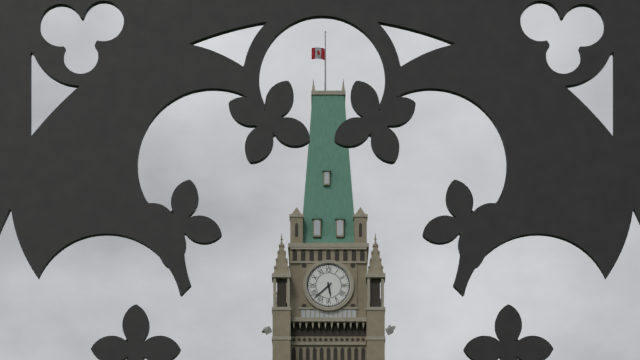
5 h 38 min
